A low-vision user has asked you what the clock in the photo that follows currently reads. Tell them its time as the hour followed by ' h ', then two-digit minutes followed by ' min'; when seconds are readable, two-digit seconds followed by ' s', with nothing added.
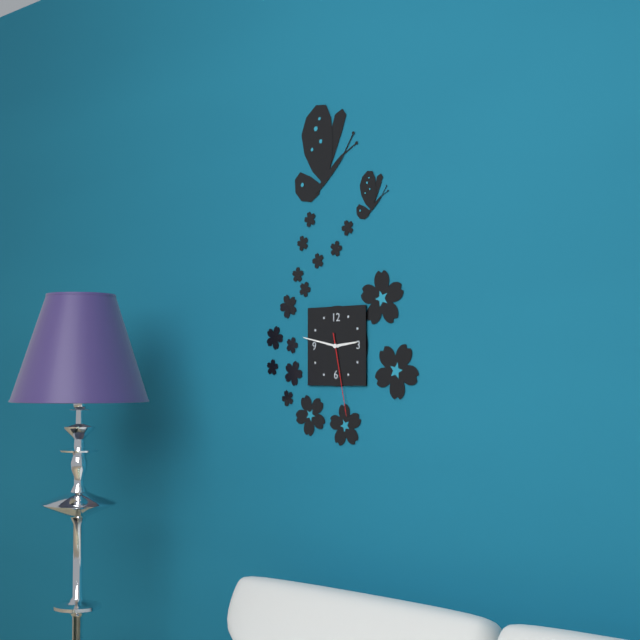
2 h 47 min 28 s
